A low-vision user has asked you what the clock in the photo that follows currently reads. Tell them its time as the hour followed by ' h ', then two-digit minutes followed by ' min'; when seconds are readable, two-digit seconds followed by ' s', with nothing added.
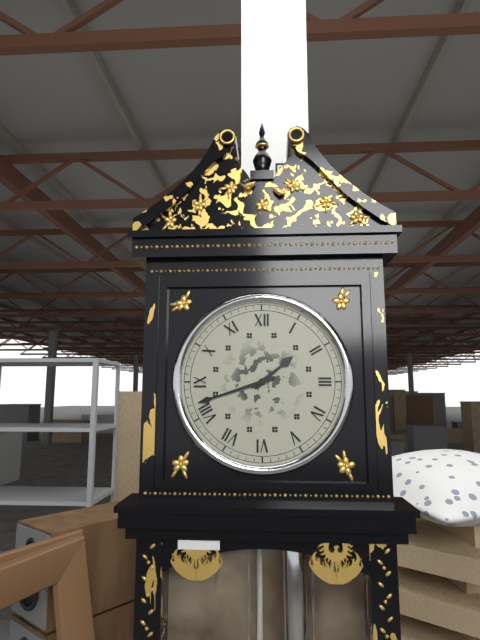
1 h 42 min
